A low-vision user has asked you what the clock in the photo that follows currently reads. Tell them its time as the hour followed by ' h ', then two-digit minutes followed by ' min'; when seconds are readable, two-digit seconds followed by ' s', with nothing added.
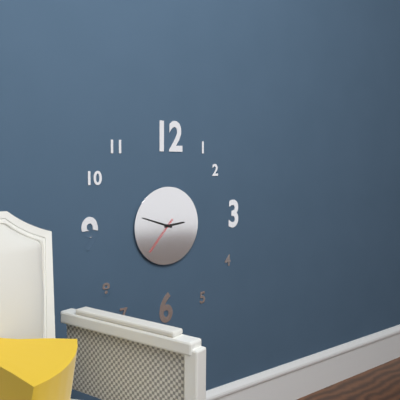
2 h 48 min
